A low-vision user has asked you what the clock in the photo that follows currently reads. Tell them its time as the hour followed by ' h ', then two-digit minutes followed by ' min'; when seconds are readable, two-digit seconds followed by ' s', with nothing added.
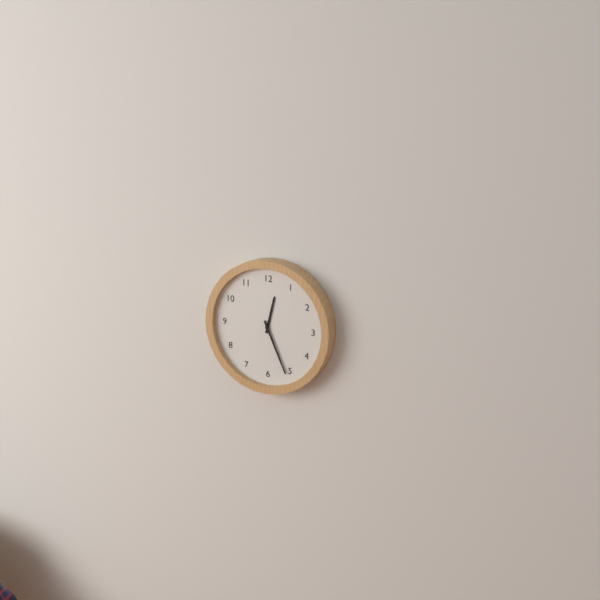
12 h 26 min
